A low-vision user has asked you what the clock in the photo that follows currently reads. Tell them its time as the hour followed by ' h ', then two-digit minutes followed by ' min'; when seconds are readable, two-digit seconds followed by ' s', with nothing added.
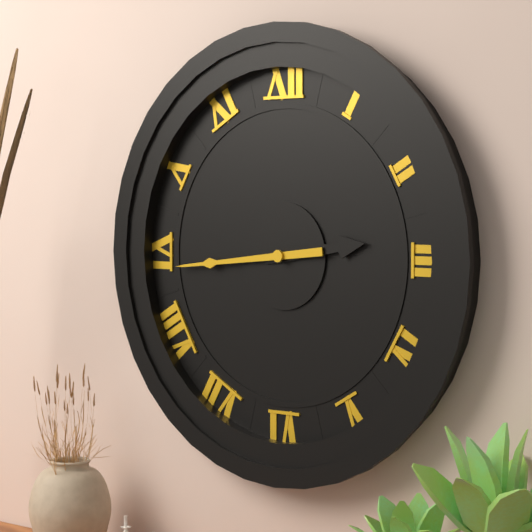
2 h 44 min
